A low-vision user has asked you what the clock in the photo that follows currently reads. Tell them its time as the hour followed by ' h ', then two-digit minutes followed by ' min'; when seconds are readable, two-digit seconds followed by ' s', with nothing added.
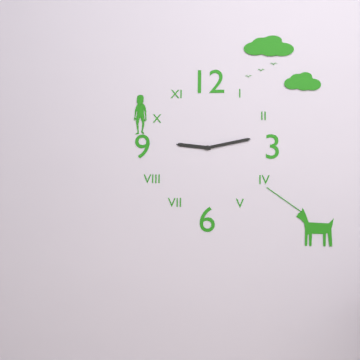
9 h 13 min
